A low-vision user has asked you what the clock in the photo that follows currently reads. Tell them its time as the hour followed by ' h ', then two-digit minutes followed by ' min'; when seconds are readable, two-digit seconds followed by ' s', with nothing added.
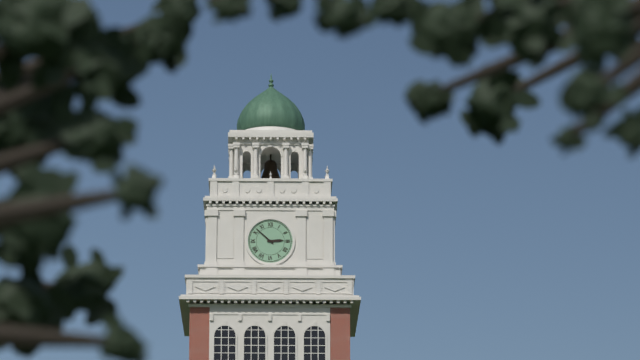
2 h 52 min
